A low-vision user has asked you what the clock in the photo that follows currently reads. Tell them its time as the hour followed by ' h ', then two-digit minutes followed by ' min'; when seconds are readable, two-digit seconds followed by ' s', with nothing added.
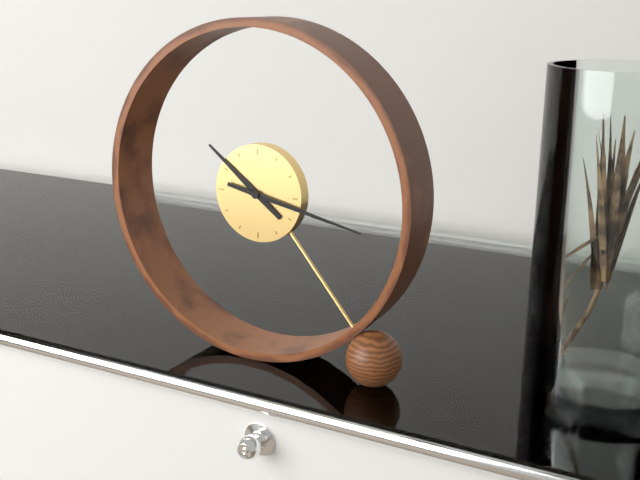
10 h 17 min
